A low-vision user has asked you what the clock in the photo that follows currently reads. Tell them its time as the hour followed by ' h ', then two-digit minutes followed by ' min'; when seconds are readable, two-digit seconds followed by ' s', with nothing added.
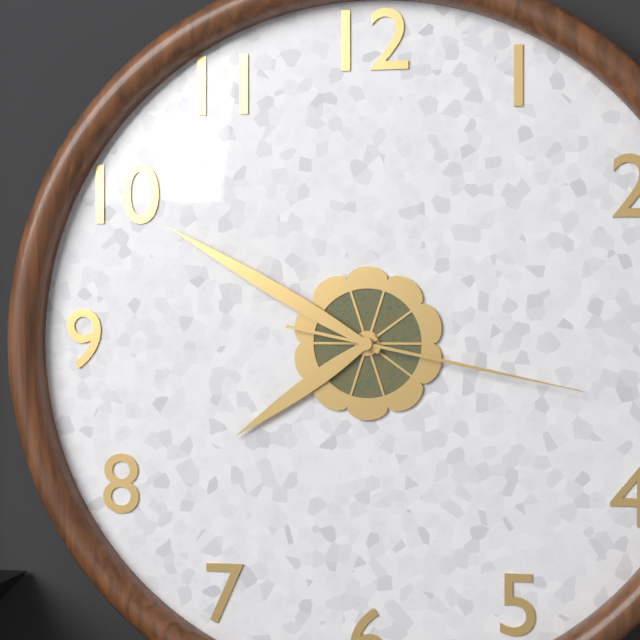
7 h 50 min 17 s
